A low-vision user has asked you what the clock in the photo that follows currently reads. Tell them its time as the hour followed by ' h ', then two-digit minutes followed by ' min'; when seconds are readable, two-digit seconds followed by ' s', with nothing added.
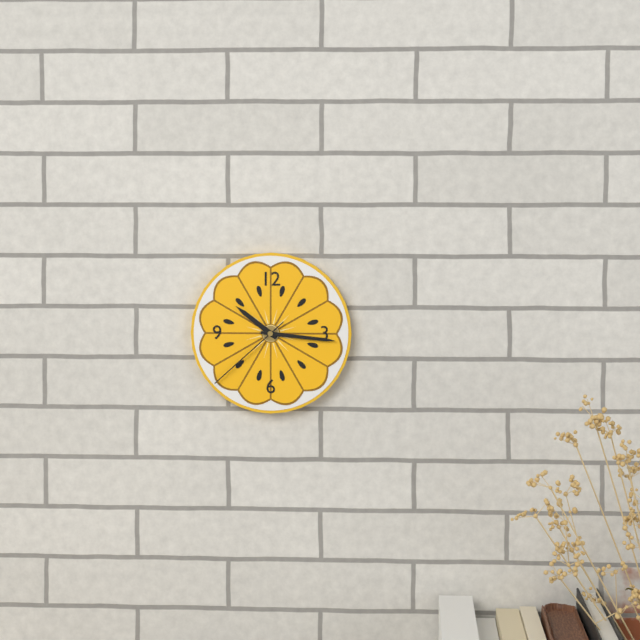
10 h 16 min 38 s
